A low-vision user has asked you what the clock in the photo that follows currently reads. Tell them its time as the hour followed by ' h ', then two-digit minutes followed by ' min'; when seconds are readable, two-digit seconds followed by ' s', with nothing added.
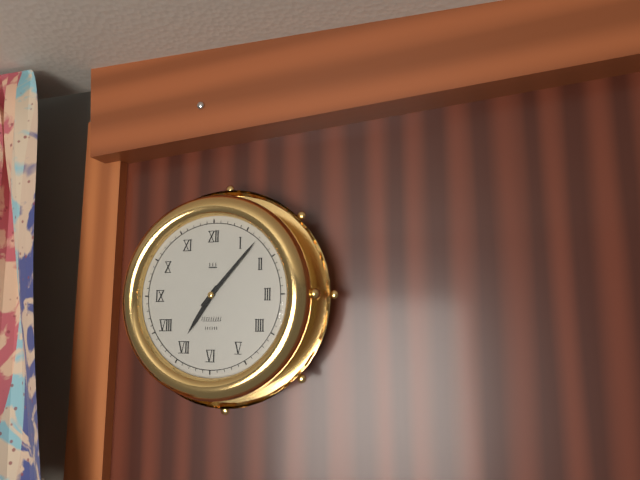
7 h 07 min
